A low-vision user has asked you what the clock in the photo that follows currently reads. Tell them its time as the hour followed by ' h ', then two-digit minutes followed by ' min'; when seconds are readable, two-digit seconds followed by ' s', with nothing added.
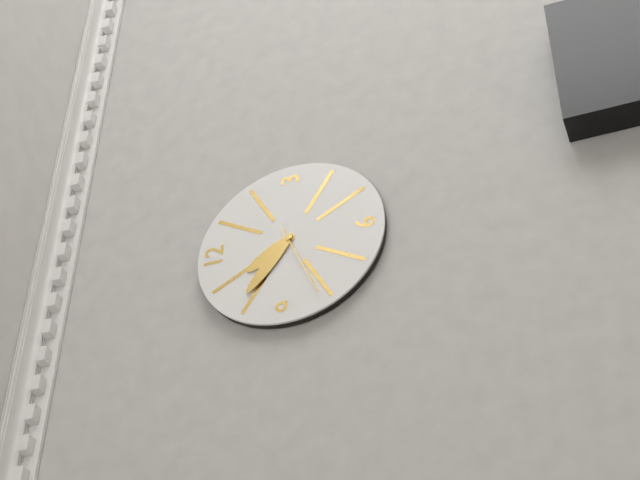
10 h 51 min 41 s
